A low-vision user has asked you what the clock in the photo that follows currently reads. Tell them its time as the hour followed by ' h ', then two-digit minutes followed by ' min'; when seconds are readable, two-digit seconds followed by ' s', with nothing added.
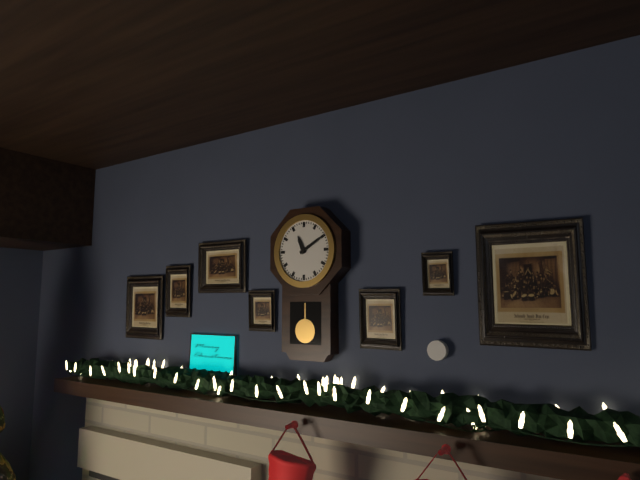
11 h 10 min
